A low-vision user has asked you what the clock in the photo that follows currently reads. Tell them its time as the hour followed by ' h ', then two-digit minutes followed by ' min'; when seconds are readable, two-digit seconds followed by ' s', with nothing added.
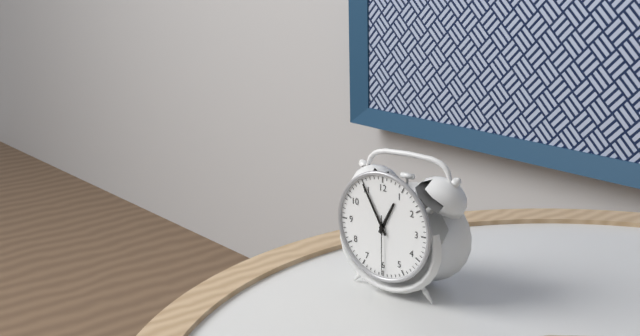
12 h 55 min 30 s
